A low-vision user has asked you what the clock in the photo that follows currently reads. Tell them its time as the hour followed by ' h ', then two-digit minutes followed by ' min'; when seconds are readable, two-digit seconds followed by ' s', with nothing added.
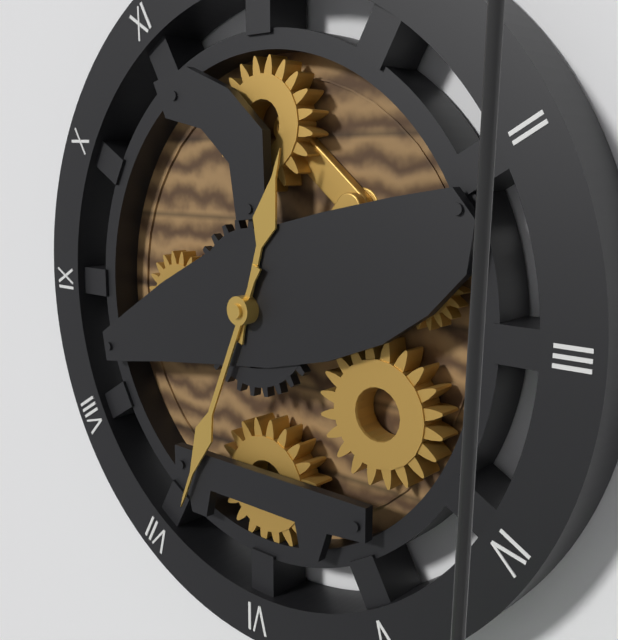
12 h 34 min
